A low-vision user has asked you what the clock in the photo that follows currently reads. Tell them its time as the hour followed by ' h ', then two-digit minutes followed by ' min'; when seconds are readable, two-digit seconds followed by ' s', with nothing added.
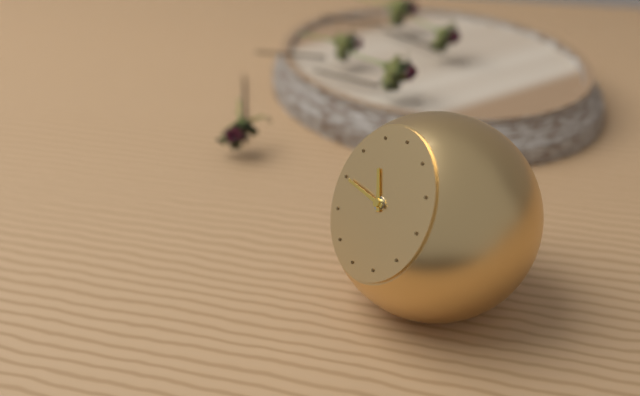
10 h 45 min
